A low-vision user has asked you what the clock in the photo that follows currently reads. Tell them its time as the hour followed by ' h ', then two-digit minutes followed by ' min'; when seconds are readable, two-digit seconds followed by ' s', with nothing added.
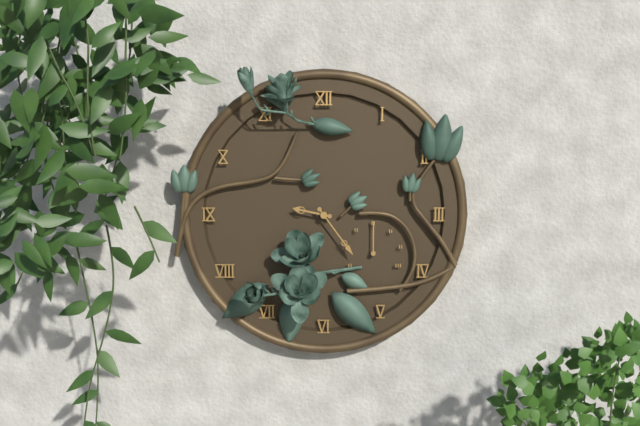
9 h 24 min
